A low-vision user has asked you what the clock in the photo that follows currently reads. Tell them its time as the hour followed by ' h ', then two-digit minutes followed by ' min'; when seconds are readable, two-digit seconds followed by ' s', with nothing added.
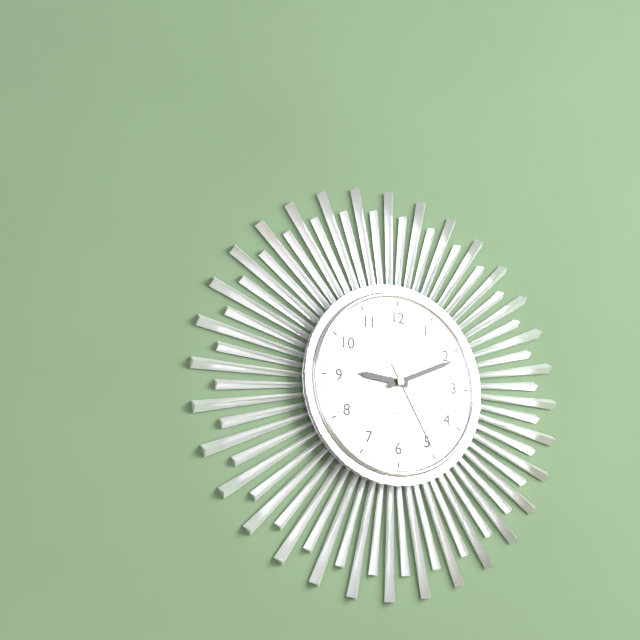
9 h 11 min 25 s
